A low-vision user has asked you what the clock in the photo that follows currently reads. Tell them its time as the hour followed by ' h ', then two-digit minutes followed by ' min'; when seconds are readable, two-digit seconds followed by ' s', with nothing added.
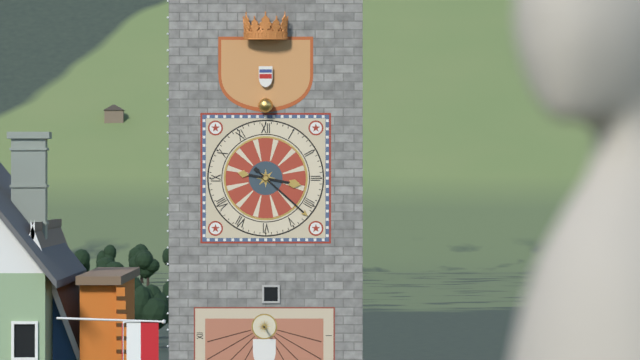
3 h 22 min
